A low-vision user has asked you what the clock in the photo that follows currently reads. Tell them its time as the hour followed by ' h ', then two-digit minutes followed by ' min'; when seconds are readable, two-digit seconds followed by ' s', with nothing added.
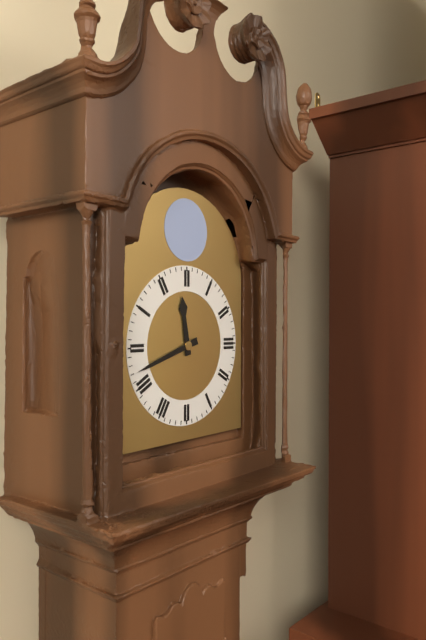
11 h 42 min
